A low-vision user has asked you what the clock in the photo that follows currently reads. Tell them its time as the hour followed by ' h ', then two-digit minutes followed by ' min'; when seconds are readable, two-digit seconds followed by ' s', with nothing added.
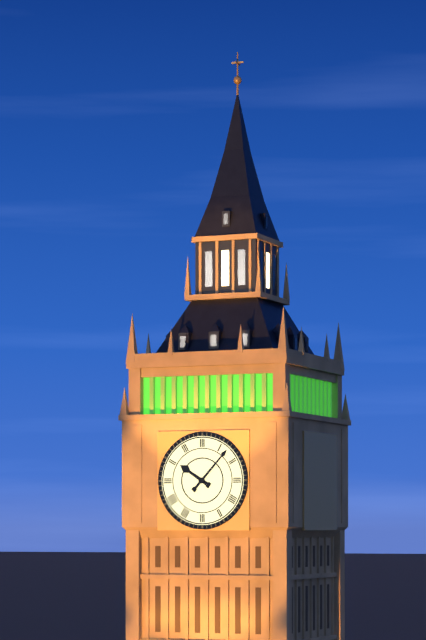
10 h 07 min
